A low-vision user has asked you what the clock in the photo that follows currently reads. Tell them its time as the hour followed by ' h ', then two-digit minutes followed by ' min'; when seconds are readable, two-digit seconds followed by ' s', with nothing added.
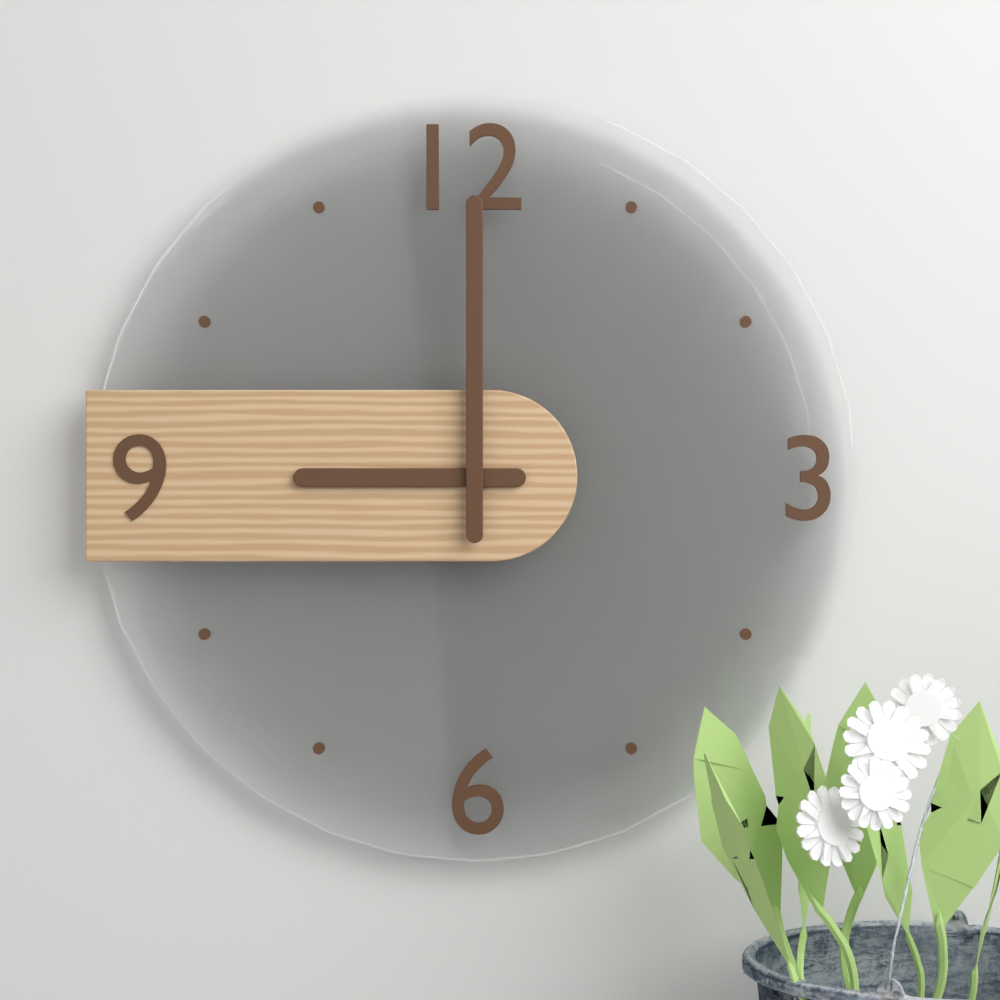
9 h 00 min
